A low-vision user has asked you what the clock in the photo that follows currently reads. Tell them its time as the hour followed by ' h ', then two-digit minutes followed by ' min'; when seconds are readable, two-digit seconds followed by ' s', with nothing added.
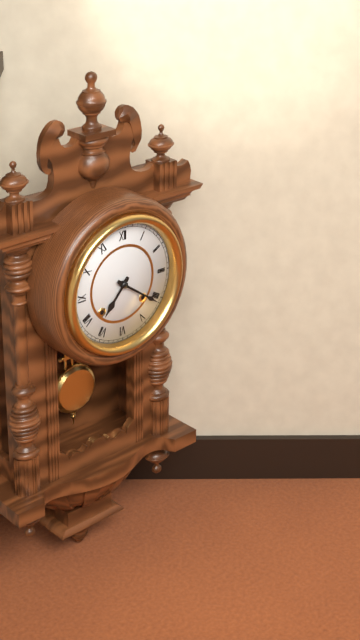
7 h 21 min
